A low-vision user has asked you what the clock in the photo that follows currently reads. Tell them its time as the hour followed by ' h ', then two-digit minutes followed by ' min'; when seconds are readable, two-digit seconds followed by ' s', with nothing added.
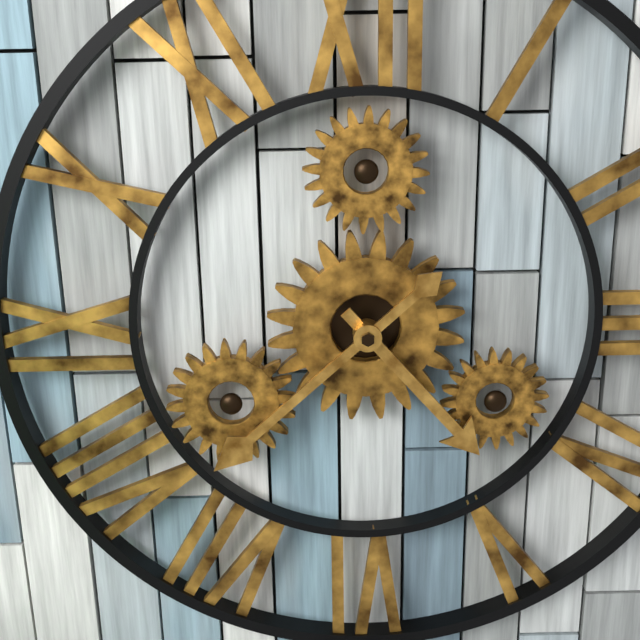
4 h 38 min
